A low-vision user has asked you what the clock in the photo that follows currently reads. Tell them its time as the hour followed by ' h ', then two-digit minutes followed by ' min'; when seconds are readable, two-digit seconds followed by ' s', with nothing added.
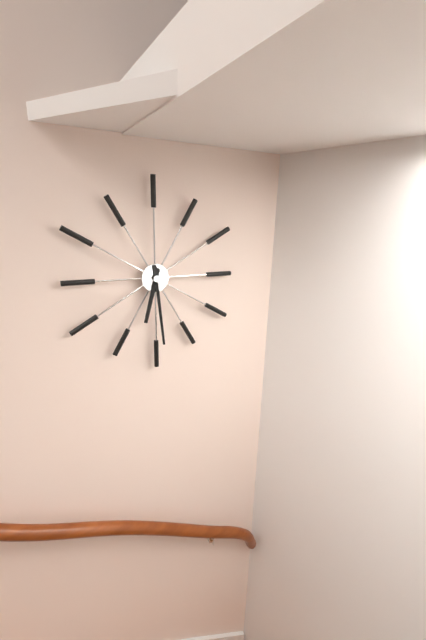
6 h 29 min
